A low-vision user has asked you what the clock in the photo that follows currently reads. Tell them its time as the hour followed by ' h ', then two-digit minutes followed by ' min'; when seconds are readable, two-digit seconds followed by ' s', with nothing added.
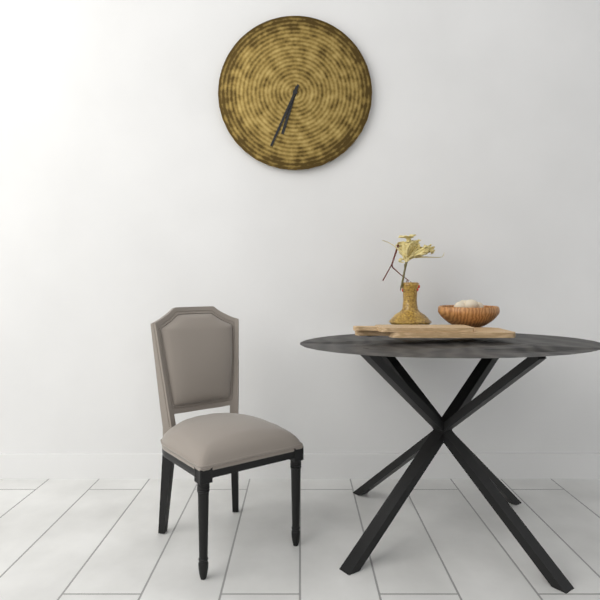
6 h 34 min
